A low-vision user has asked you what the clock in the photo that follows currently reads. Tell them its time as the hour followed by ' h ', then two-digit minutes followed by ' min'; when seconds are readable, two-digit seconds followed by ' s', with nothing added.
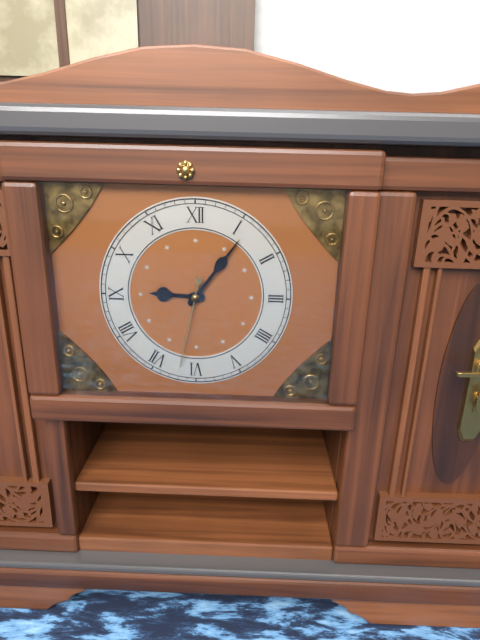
9 h 06 min 32 s
